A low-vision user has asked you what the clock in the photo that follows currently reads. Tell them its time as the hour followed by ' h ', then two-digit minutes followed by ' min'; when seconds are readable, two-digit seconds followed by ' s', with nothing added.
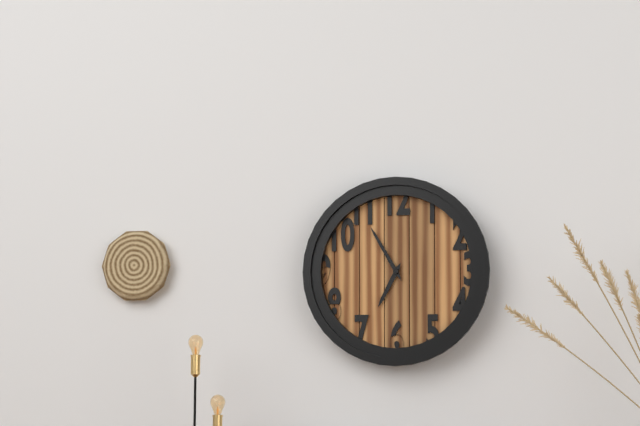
6 h 55 min
